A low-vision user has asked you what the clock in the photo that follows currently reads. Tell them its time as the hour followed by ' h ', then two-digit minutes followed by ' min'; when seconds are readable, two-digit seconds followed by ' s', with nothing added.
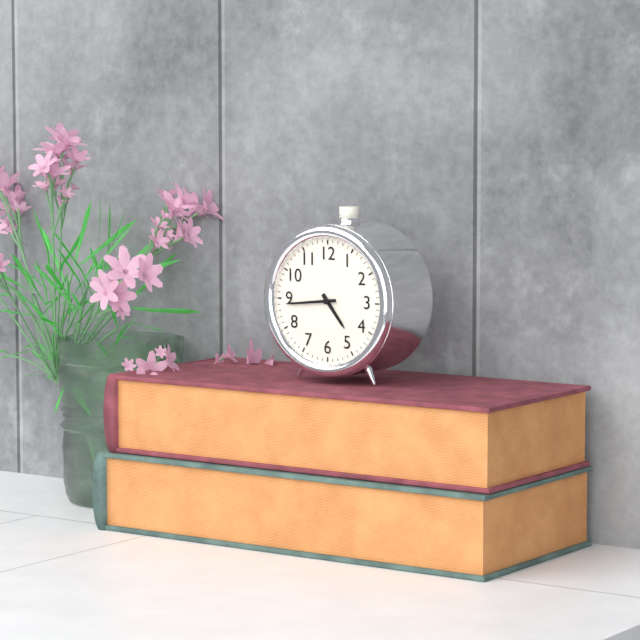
4 h 44 min
